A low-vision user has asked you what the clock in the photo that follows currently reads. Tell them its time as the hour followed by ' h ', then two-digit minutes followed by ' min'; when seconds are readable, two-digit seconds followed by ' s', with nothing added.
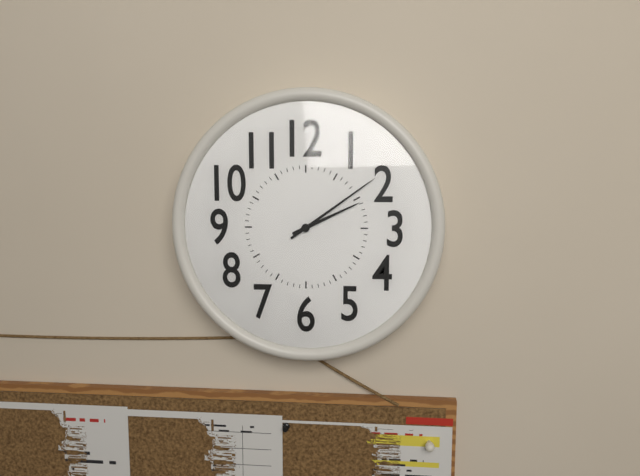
2 h 09 min
